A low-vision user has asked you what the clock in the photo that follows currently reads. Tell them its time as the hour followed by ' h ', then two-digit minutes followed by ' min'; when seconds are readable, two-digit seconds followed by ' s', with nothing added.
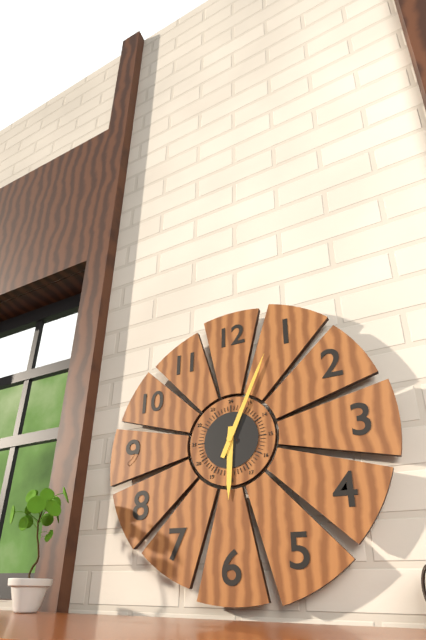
6 h 04 min
